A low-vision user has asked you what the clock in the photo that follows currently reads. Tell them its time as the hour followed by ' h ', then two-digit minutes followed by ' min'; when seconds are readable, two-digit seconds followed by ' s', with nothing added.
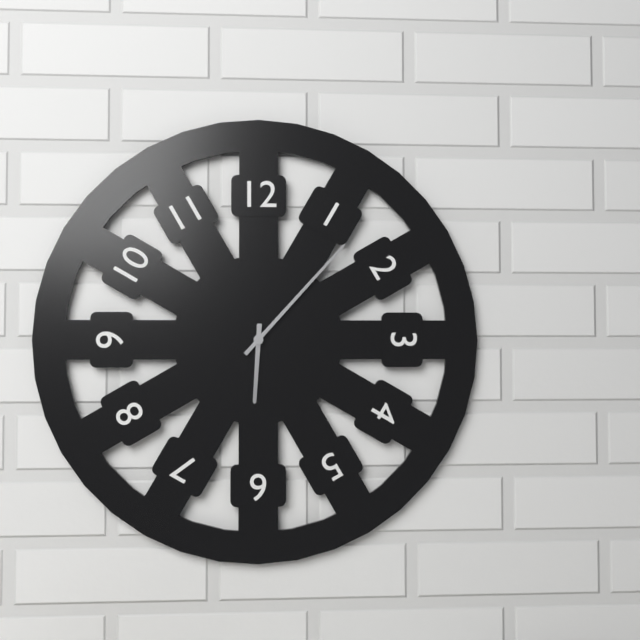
6 h 07 min
